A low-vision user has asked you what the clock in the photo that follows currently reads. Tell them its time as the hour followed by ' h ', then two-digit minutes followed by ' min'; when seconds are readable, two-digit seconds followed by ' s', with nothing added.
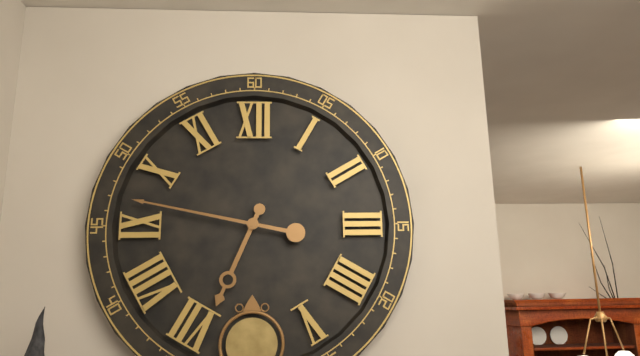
6 h 47 min
